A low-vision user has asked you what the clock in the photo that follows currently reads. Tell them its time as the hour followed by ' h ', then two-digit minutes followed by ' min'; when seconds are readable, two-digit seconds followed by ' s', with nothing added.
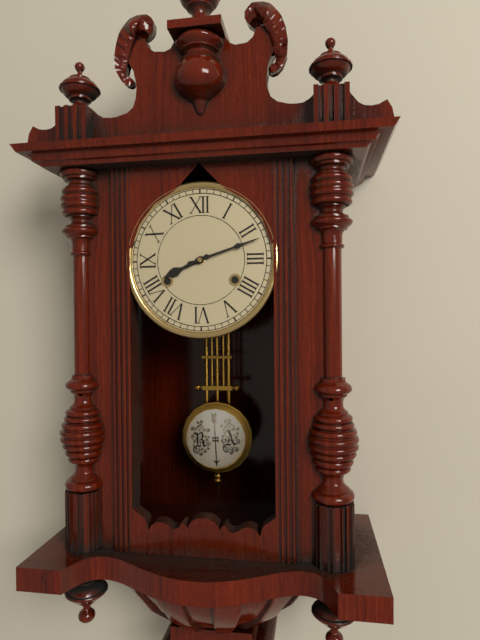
8 h 12 min
